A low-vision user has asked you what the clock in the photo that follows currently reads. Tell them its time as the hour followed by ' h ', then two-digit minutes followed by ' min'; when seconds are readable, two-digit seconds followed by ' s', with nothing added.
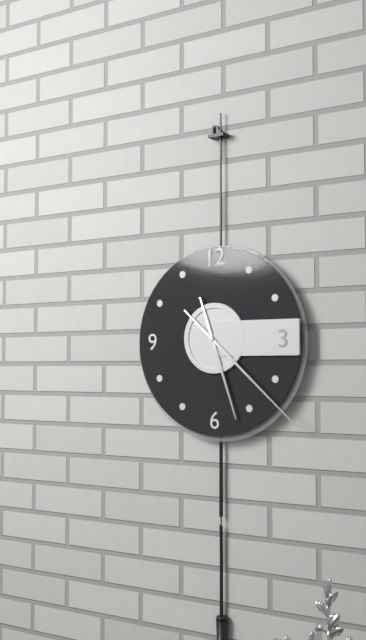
5 h 22 min
